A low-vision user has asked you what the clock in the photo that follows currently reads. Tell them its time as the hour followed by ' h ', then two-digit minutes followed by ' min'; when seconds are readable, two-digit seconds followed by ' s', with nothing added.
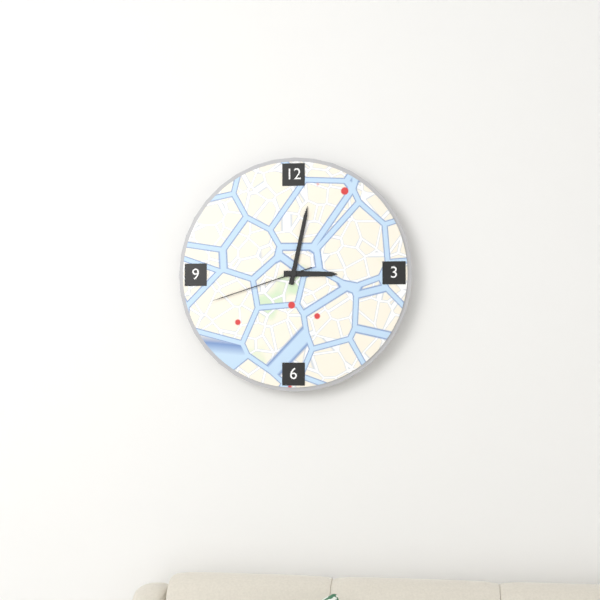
3 h 02 min 42 s
